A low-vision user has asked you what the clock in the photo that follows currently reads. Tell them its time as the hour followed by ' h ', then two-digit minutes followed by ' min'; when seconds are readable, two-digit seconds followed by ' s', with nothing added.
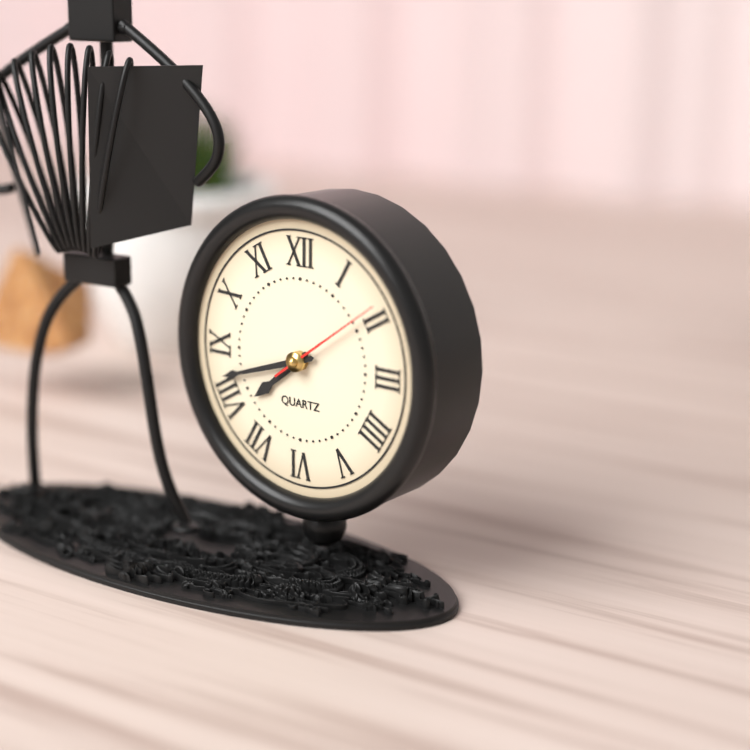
7 h 42 min 09 s
